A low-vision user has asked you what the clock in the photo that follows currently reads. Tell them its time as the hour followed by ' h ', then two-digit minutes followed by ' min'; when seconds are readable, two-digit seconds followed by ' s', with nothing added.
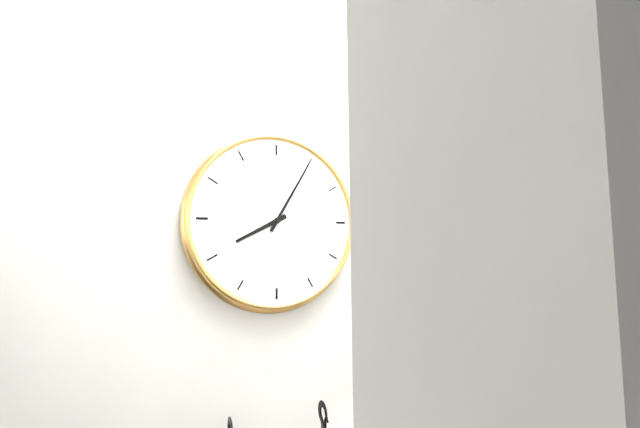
8 h 05 min
